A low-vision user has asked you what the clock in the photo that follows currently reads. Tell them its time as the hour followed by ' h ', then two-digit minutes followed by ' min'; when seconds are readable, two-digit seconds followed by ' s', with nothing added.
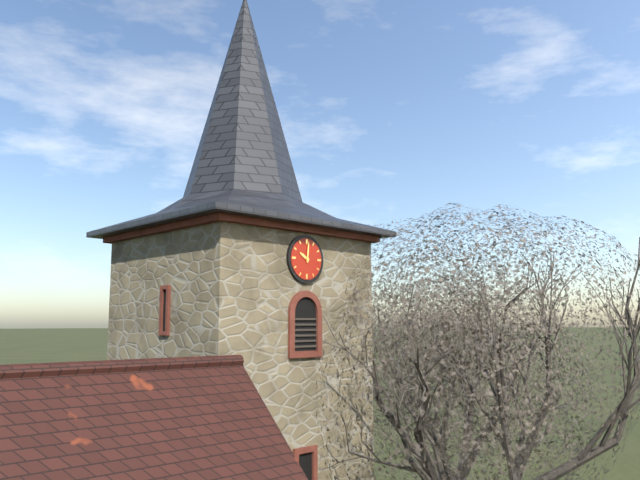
10 h 01 min
